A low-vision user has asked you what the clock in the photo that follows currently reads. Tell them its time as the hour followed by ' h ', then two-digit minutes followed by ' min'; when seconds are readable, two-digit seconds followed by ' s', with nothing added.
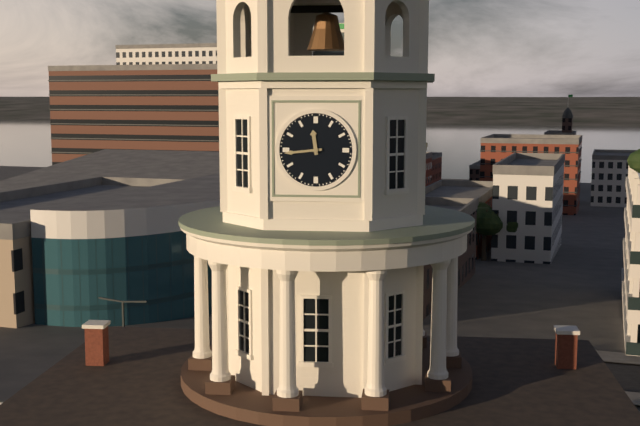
11 h 44 min
